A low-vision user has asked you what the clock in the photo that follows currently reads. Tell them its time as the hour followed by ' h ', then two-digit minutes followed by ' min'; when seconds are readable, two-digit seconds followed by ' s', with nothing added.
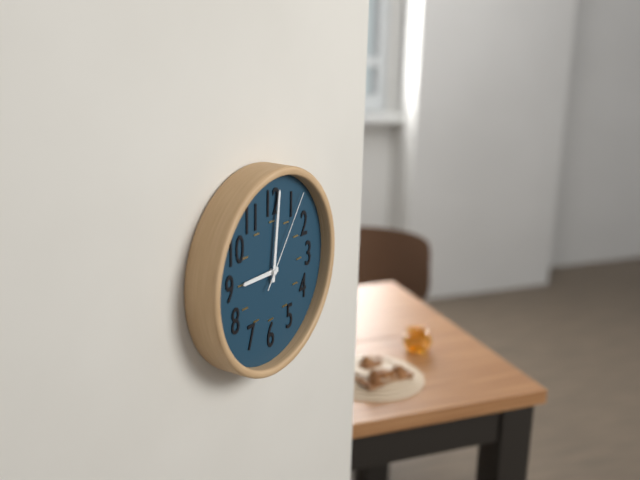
9 h 01 min 06 s
